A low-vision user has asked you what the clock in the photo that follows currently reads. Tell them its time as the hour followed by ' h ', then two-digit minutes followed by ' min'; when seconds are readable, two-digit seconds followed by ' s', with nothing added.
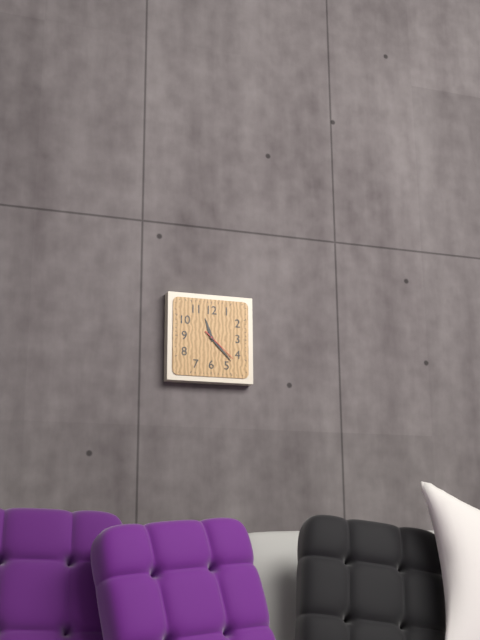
11 h 23 min
